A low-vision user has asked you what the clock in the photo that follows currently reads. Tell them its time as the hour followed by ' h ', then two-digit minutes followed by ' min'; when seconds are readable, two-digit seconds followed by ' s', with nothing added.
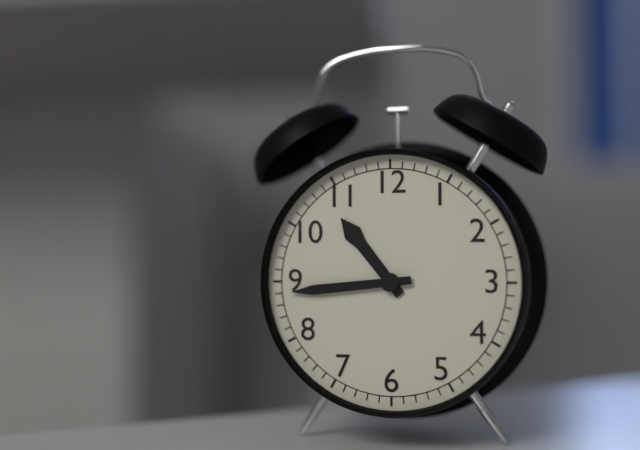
10 h 44 min
